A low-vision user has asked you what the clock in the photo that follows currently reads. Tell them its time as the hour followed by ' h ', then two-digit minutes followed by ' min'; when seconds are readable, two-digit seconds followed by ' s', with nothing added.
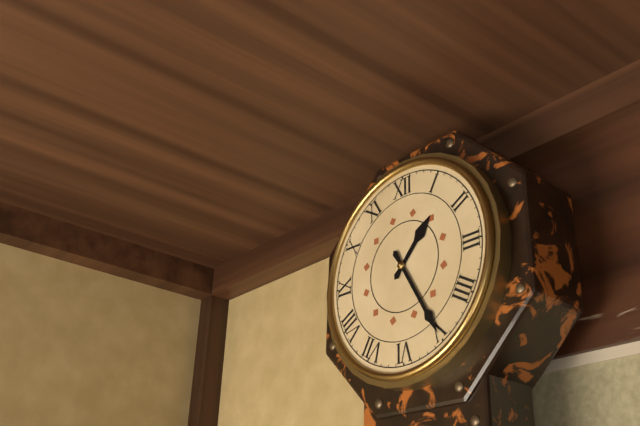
1 h 25 min
